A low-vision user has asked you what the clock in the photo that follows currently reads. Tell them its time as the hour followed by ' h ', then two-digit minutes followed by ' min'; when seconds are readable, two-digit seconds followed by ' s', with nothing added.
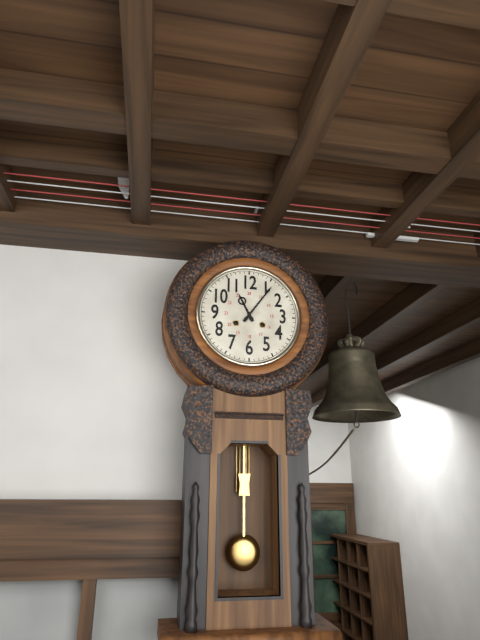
11 h 06 min
